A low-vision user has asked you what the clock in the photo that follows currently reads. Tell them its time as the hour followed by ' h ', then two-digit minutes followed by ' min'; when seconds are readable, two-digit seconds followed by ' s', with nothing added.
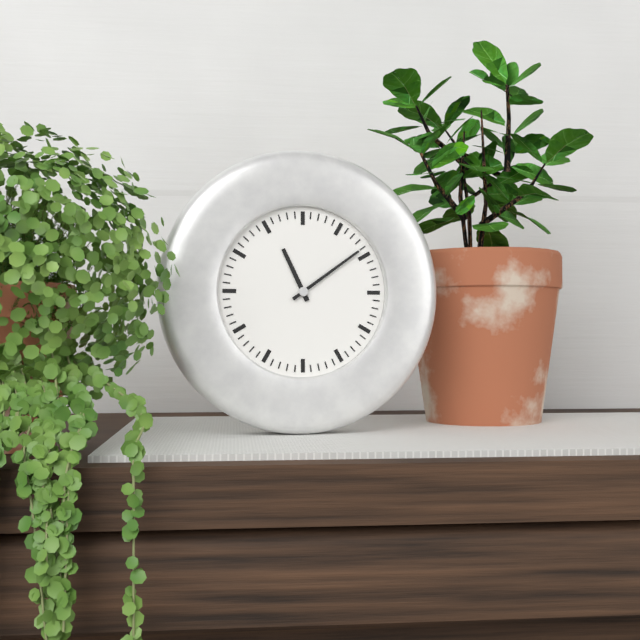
11 h 09 min
